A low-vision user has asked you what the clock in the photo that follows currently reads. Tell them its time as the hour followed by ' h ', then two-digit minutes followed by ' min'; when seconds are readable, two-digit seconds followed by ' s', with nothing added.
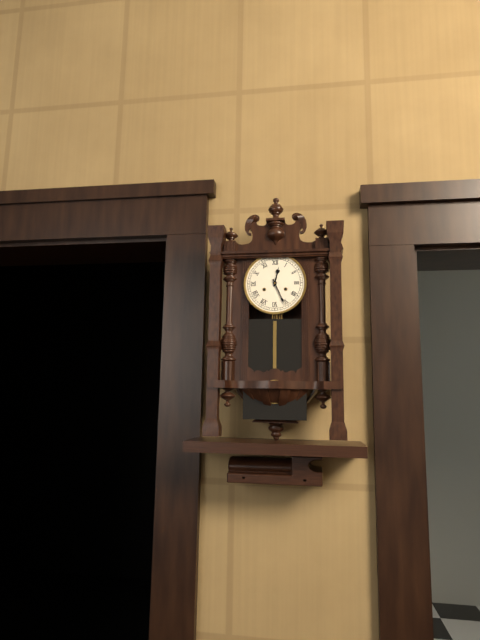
12 h 26 min
